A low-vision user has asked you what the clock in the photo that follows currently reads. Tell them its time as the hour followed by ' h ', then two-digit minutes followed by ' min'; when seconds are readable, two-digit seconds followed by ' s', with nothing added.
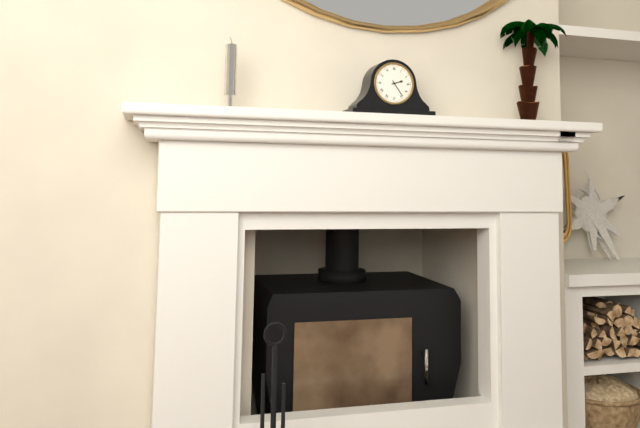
2 h 24 min
